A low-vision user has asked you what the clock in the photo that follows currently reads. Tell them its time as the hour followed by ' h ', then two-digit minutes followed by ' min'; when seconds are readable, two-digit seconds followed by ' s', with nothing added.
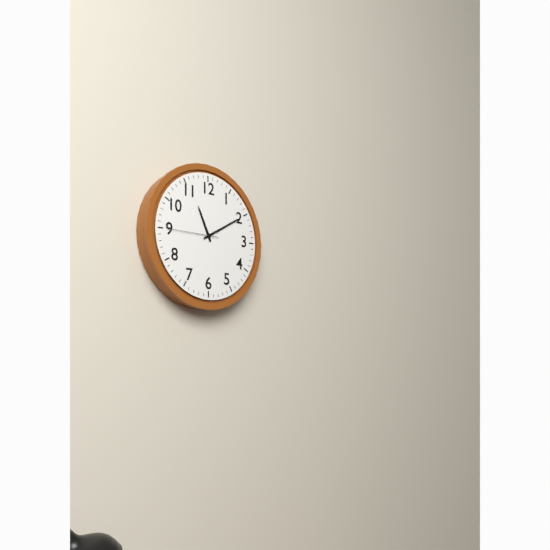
11 h 10 min 45 s
